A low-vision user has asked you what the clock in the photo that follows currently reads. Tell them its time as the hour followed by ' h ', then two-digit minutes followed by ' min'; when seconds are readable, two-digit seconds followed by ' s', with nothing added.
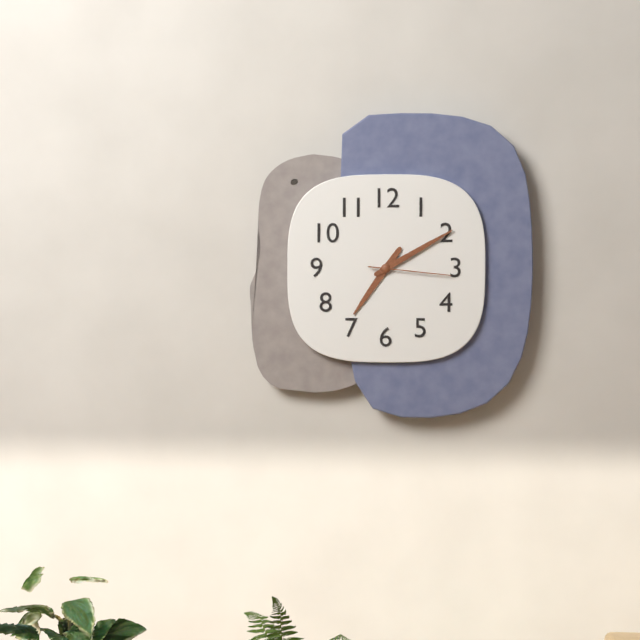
7 h 10 min 16 s
